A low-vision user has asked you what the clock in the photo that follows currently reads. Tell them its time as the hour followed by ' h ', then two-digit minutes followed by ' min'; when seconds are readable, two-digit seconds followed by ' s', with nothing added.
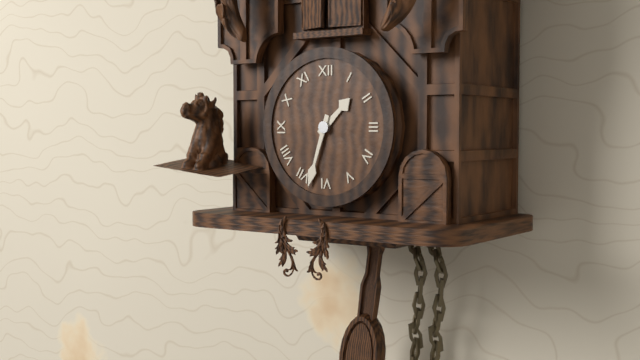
1 h 33 min
